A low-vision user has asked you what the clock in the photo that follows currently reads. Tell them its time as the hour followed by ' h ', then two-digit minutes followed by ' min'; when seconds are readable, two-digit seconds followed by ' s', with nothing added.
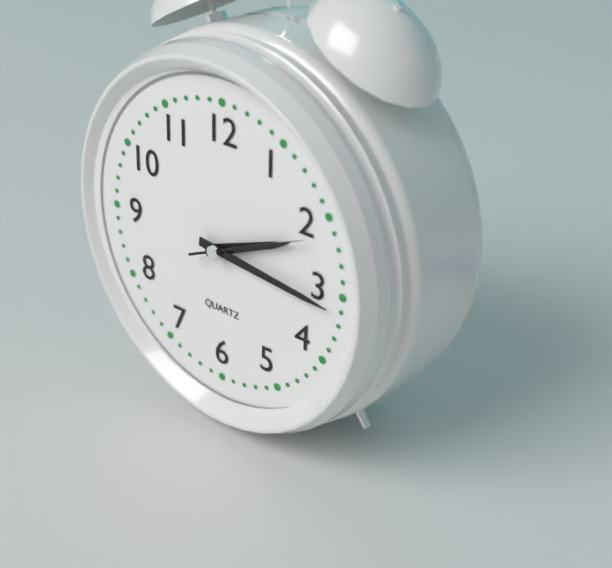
2 h 16 min 11 s
